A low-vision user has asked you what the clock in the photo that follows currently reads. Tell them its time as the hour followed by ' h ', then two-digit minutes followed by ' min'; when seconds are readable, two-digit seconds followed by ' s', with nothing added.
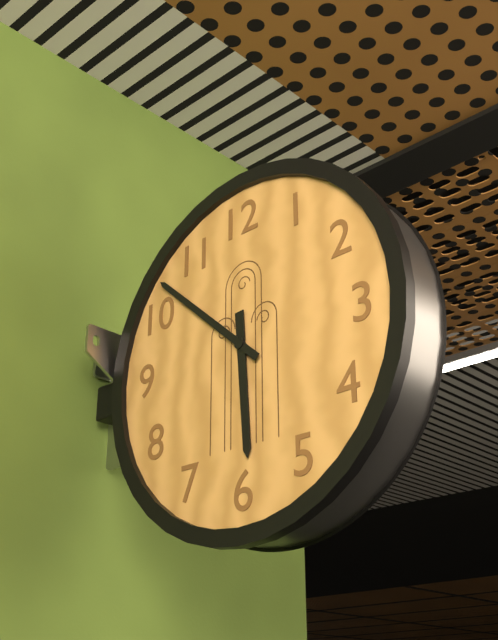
5 h 52 min
